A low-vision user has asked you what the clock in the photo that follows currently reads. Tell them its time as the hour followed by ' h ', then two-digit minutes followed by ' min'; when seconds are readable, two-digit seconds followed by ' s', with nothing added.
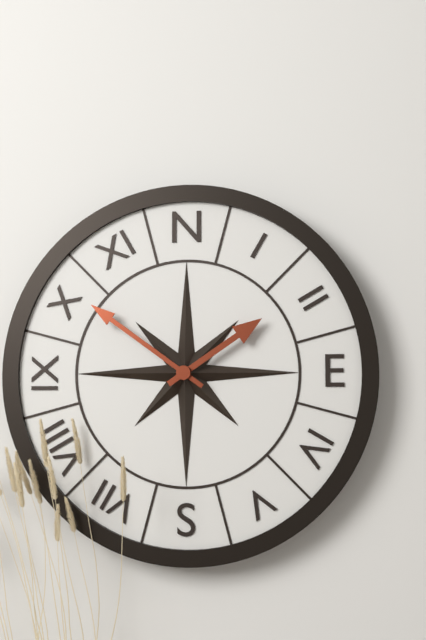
1 h 51 min
